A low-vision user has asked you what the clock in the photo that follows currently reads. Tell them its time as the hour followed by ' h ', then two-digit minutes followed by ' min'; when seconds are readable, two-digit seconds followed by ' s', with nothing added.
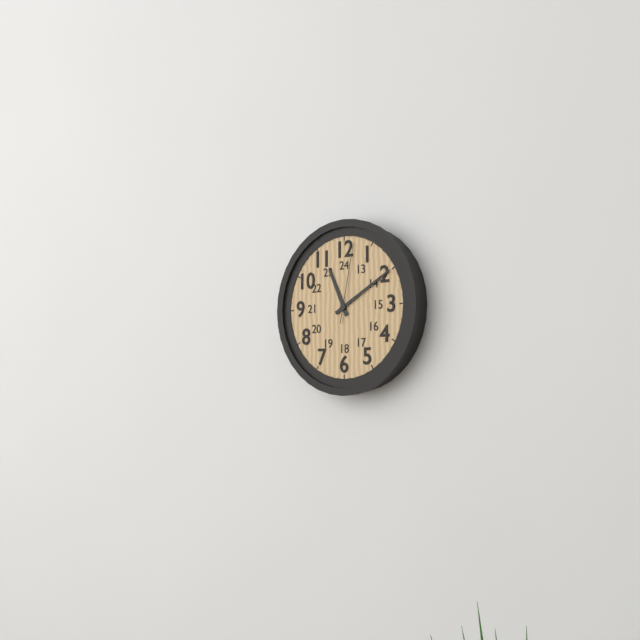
11 h 10 min 02 s
